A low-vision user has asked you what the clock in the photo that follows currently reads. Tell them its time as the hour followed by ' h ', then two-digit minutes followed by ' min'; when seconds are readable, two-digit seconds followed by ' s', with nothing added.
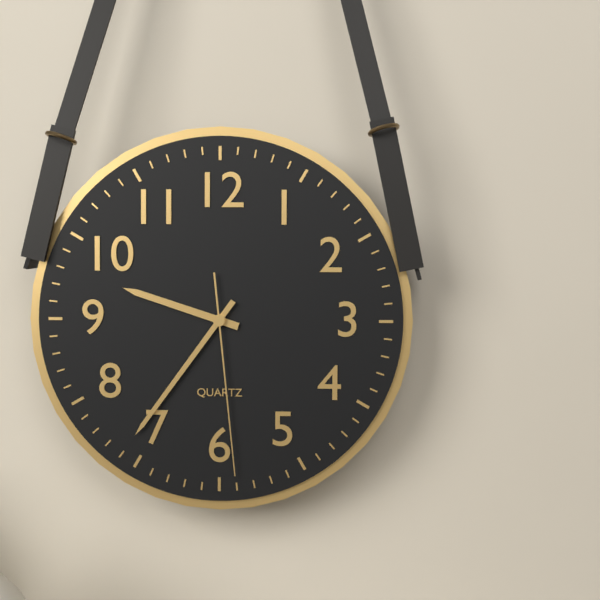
9 h 36 min 29 s
